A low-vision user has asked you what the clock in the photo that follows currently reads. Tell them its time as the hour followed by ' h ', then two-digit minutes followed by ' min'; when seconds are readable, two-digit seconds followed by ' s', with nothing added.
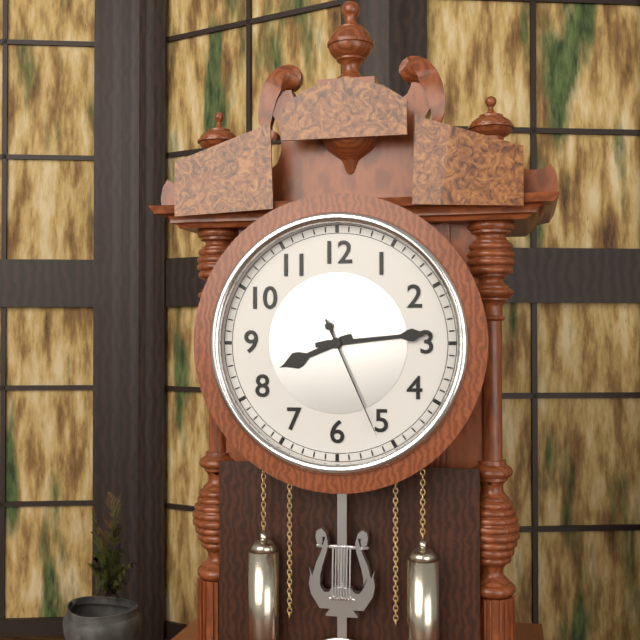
8 h 14 min 26 s
